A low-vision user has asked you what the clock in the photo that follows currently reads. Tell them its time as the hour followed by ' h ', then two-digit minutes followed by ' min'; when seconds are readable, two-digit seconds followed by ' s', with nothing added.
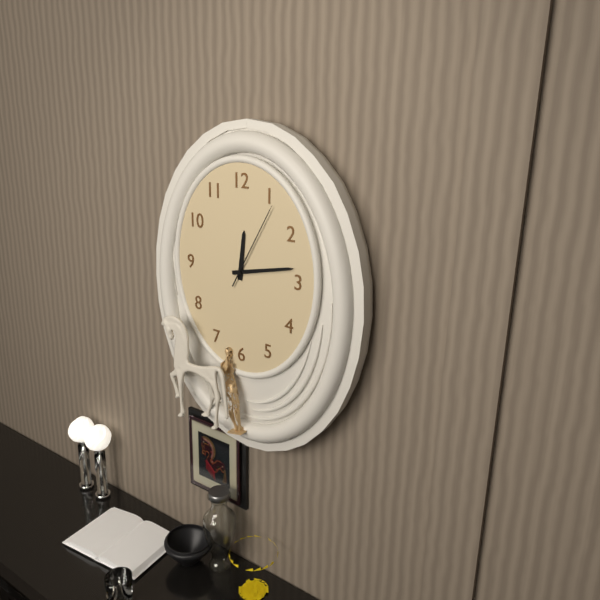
12 h 13 min 05 s
